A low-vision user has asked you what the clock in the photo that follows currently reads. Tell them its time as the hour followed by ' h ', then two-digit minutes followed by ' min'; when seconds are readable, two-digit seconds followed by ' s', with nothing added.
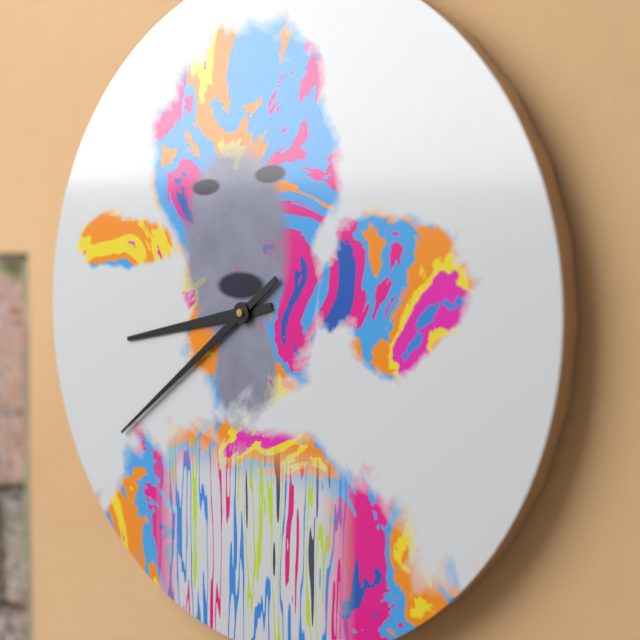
8 h 39 min
